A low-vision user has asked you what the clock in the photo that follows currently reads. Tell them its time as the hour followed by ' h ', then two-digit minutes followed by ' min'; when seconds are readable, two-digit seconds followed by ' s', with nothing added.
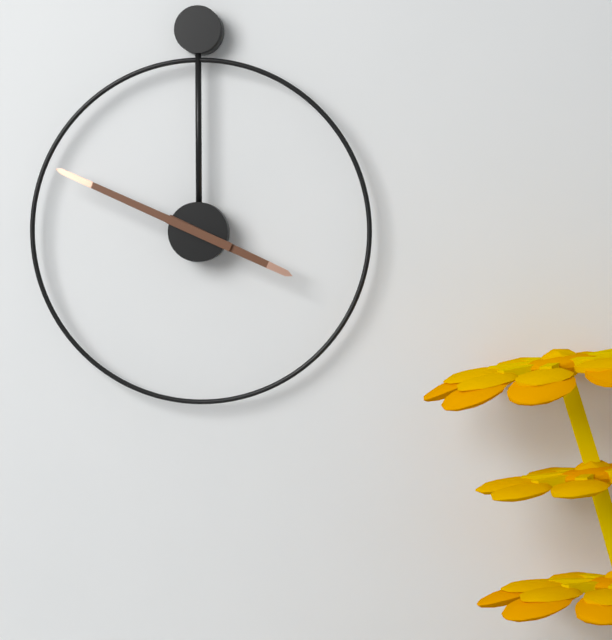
3 h 49 min
